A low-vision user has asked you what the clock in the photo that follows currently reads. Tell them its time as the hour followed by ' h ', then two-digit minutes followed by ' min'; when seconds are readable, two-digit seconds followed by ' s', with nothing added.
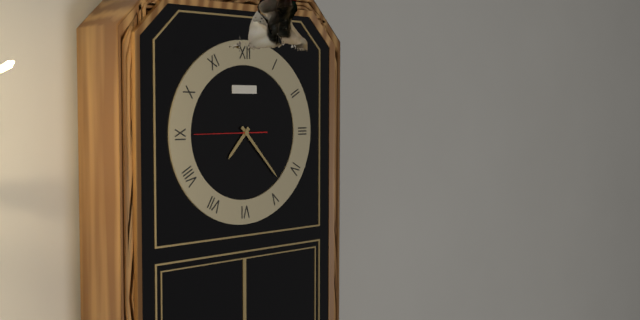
7 h 23 min 45 s
